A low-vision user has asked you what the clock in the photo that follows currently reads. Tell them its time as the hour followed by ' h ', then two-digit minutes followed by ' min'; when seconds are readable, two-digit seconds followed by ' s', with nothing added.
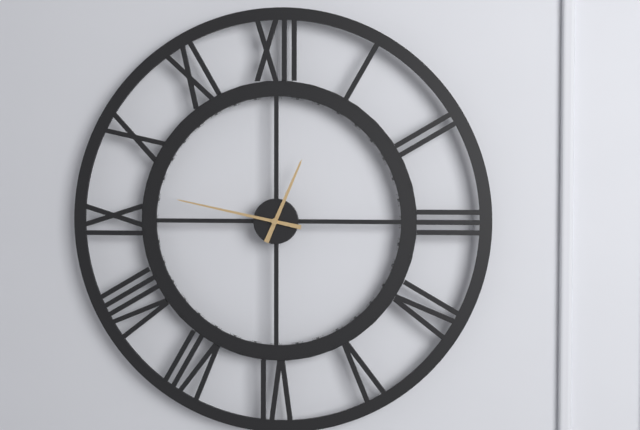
12 h 47 min
